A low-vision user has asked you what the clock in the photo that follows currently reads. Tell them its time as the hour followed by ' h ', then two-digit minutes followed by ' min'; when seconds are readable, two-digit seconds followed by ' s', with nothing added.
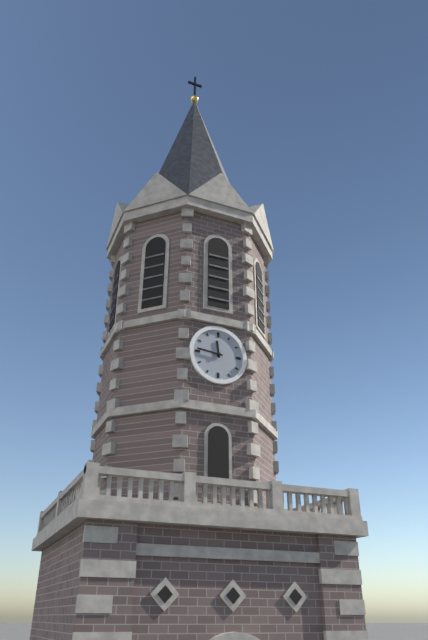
11 h 46 min
